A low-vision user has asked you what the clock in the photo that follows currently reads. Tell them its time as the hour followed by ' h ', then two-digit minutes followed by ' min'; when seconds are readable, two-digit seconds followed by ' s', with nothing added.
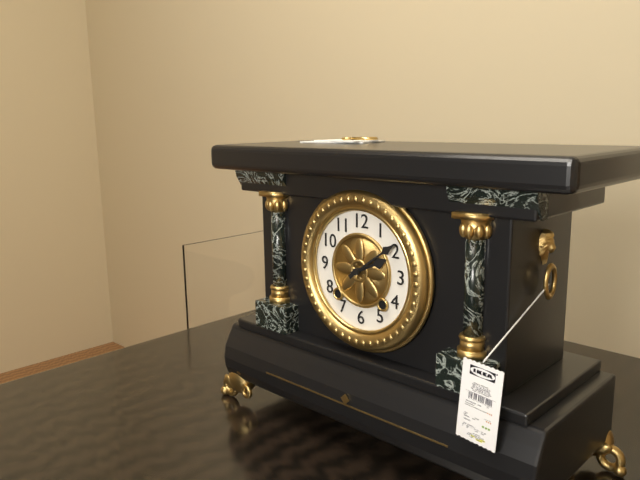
2 h 09 min
